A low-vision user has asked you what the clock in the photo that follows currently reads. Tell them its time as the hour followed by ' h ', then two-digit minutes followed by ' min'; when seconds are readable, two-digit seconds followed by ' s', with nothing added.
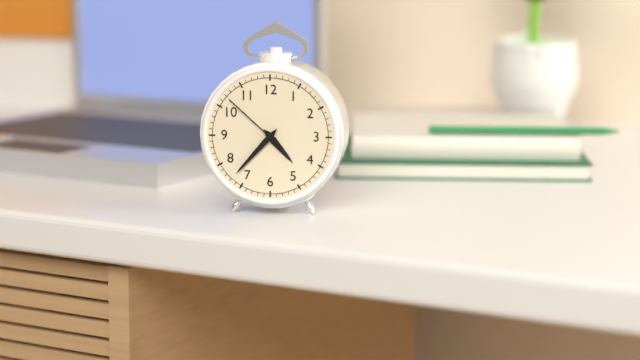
4 h 37 min 52 s
